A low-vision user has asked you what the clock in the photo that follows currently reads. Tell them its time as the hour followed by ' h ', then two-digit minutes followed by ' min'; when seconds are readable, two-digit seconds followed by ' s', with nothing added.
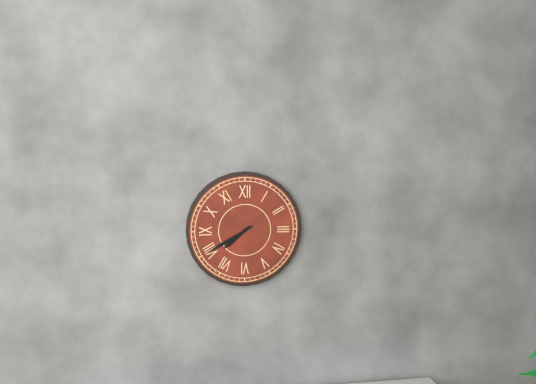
7 h 40 min
